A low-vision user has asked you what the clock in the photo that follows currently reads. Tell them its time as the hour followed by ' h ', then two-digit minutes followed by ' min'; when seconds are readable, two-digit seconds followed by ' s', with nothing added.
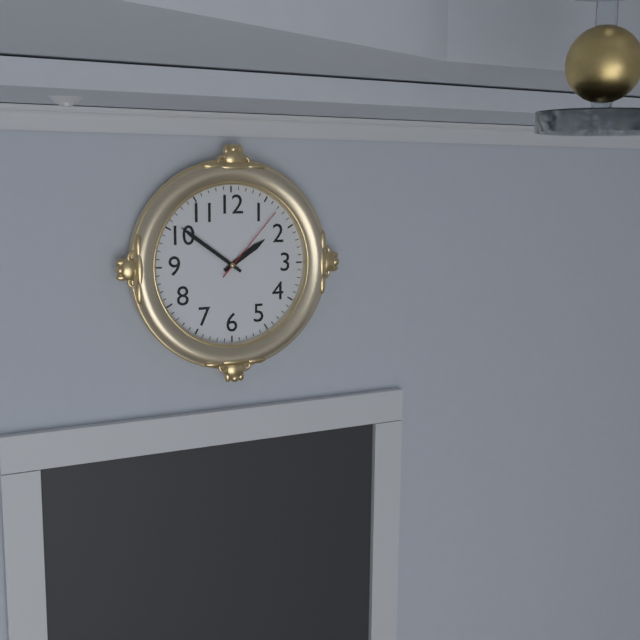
1 h 51 min 07 s
